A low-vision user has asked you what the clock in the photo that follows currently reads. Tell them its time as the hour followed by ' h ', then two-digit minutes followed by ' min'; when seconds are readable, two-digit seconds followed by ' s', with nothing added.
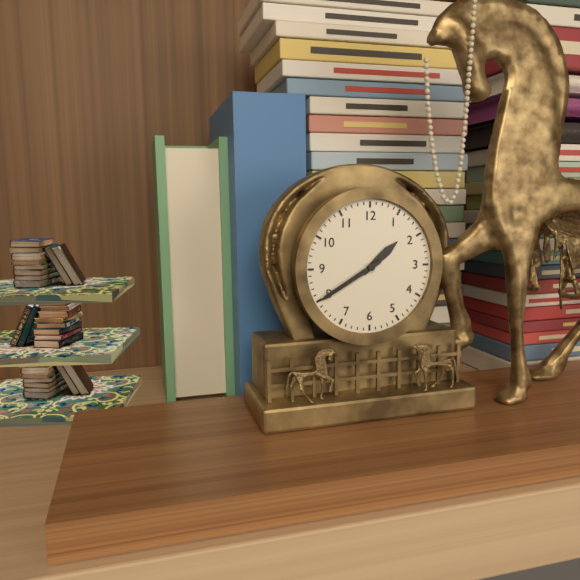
1 h 40 min
